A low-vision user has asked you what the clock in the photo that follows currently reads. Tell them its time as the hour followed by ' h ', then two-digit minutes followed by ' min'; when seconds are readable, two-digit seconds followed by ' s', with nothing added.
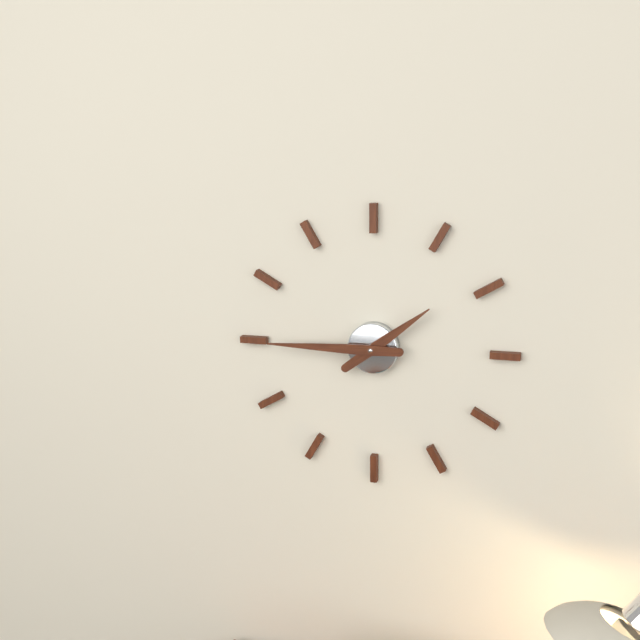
1 h 45 min
